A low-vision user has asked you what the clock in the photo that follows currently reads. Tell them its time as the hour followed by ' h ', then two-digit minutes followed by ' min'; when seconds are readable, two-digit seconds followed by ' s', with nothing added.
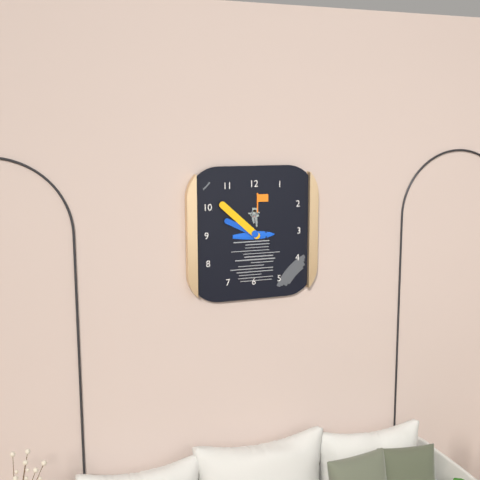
9 h 52 min
